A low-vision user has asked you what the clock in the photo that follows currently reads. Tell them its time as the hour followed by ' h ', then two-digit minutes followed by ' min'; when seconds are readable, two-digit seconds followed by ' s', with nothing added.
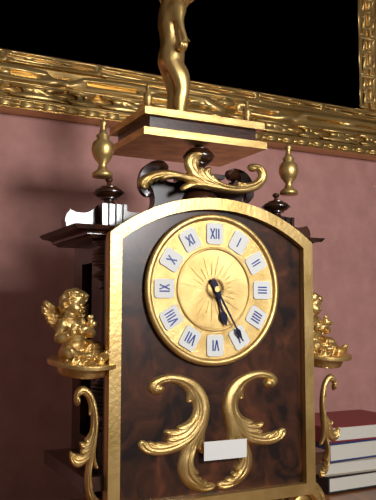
5 h 25 min
